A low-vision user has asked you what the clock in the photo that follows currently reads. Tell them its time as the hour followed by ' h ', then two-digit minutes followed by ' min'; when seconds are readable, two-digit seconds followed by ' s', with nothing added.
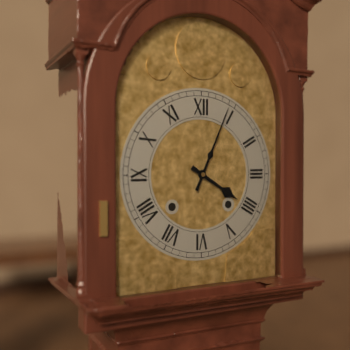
4 h 04 min
